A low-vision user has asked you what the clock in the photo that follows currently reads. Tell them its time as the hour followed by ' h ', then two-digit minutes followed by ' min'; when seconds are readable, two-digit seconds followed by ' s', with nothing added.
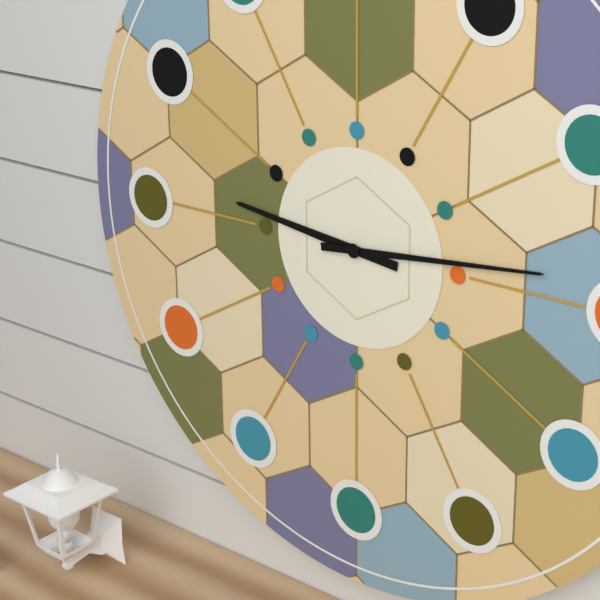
9 h 14 min
